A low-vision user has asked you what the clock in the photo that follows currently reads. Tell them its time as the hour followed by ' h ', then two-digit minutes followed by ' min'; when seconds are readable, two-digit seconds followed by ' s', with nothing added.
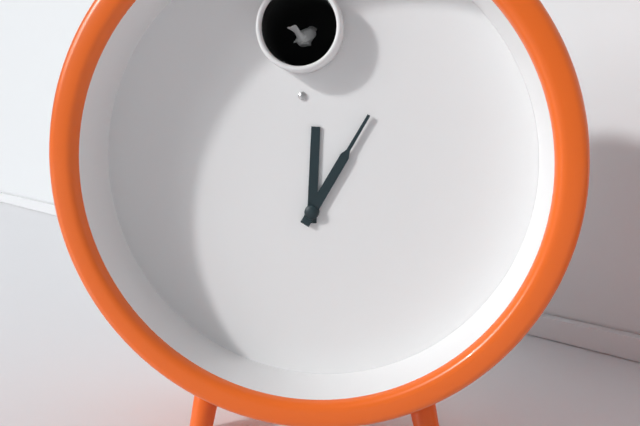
12 h 05 min
